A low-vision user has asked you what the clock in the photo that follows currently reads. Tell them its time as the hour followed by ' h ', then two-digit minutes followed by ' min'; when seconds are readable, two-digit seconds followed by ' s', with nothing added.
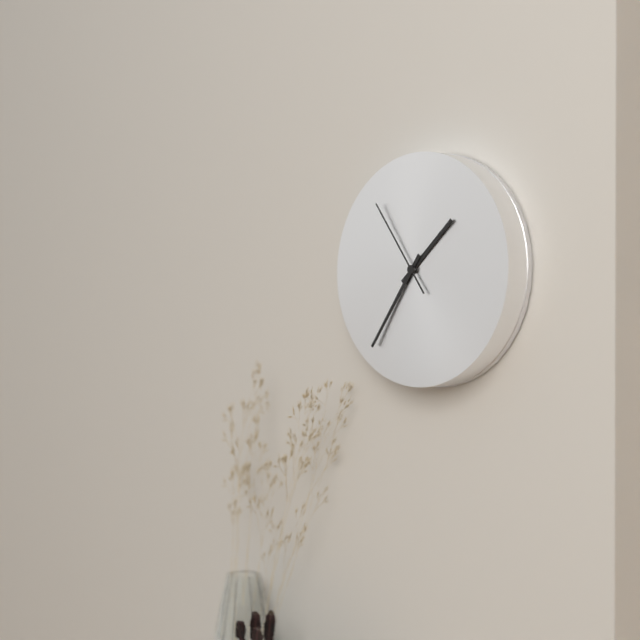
1 h 36 min 54 s
